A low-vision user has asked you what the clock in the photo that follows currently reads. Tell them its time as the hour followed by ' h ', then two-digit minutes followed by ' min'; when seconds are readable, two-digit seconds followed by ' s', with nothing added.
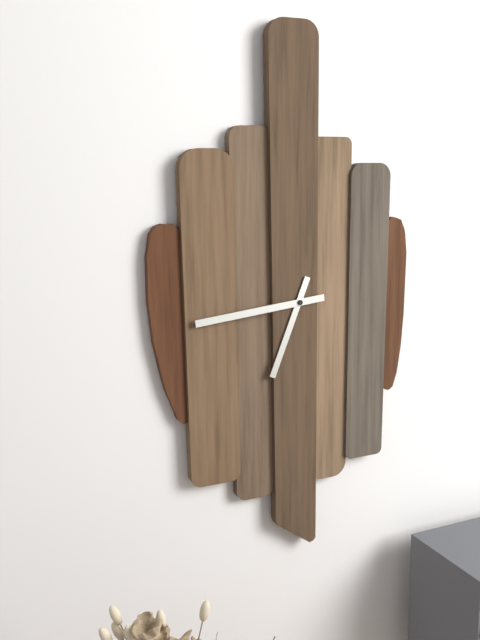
6 h 44 min
